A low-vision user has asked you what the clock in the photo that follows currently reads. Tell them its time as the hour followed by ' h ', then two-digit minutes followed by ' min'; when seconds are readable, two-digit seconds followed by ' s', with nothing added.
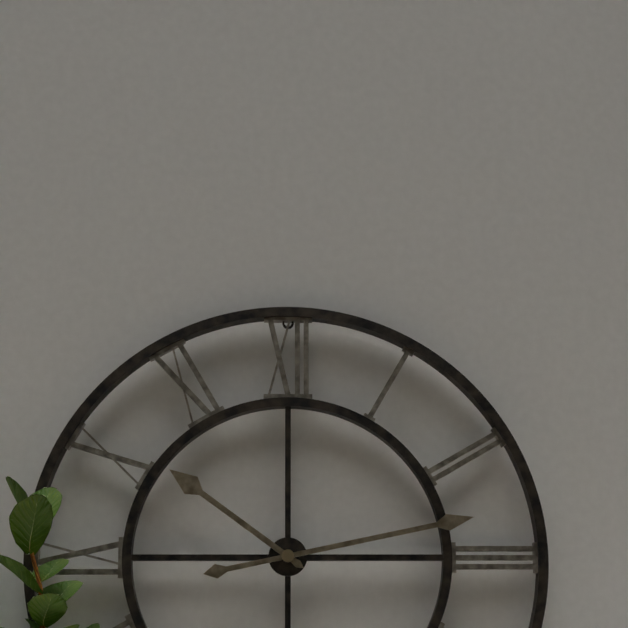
10 h 13 min
